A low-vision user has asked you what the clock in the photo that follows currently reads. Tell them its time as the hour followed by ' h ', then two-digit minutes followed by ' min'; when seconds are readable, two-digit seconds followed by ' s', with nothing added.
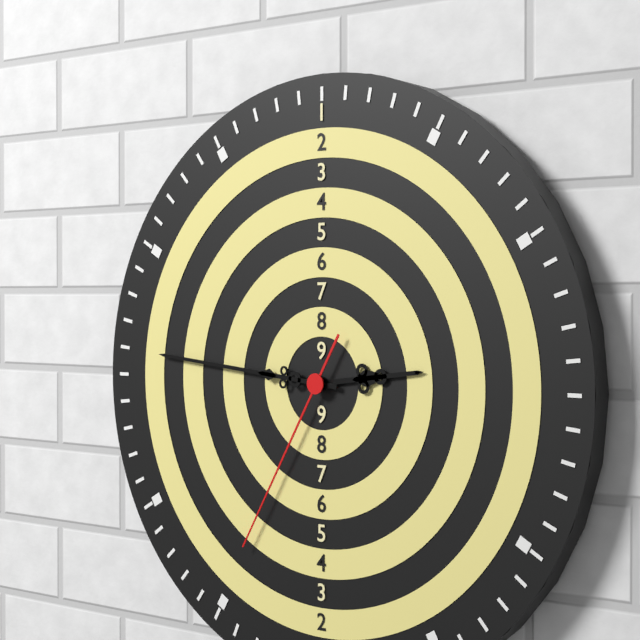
2 h 46 min 35 s
